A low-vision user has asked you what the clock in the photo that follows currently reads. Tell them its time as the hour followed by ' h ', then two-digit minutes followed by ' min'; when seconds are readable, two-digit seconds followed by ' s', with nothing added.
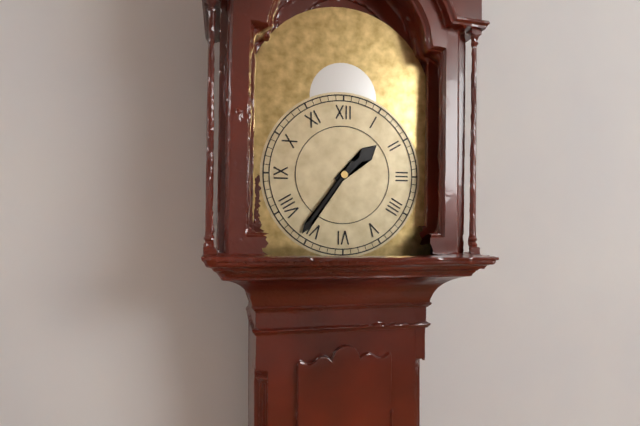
1 h 36 min
